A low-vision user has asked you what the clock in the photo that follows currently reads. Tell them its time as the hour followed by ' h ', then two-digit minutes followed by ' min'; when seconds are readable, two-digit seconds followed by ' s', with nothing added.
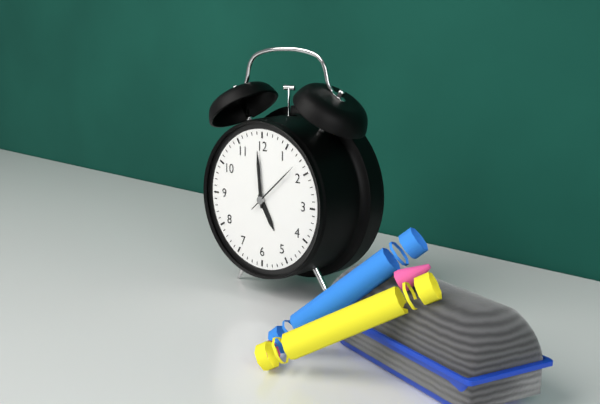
4 h 59 min 08 s
